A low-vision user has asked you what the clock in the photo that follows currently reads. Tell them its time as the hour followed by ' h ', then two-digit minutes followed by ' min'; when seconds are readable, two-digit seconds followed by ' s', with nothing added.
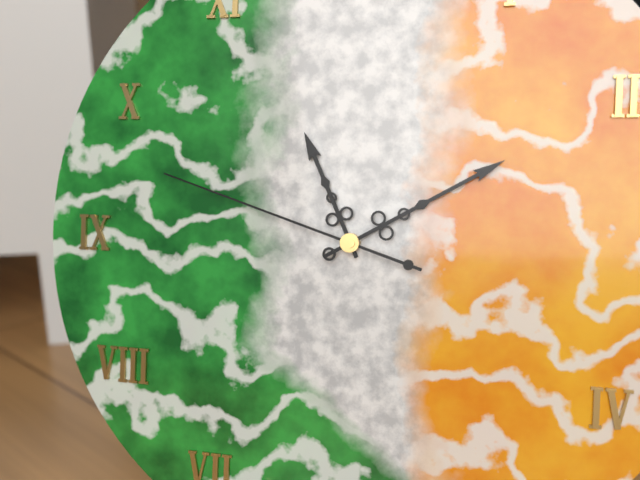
11 h 10 min 48 s
